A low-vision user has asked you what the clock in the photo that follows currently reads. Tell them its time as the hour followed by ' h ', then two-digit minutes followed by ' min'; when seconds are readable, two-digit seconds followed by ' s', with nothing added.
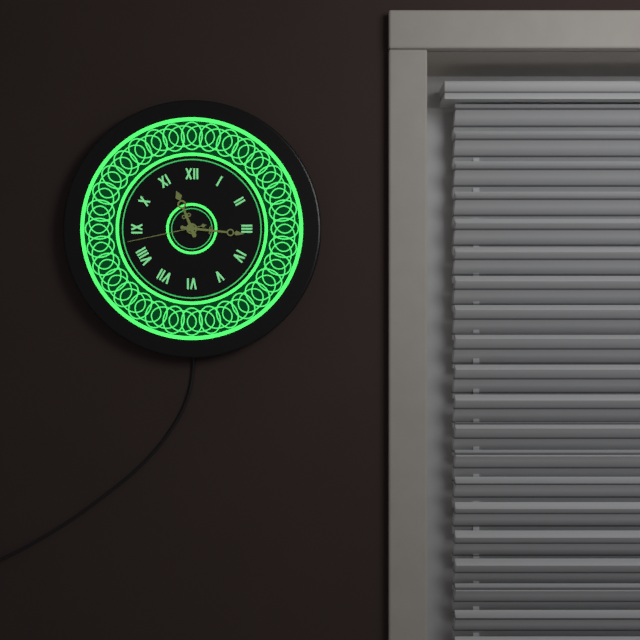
11 h 16 min 43 s
